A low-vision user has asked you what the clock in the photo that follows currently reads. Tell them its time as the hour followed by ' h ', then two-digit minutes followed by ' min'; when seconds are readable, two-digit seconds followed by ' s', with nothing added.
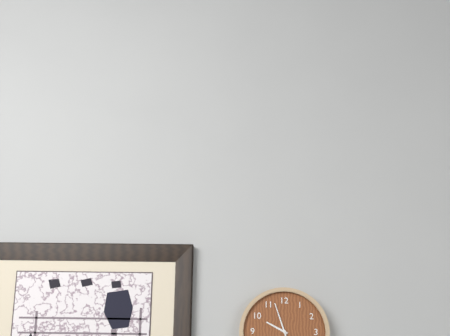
9 h 57 min
